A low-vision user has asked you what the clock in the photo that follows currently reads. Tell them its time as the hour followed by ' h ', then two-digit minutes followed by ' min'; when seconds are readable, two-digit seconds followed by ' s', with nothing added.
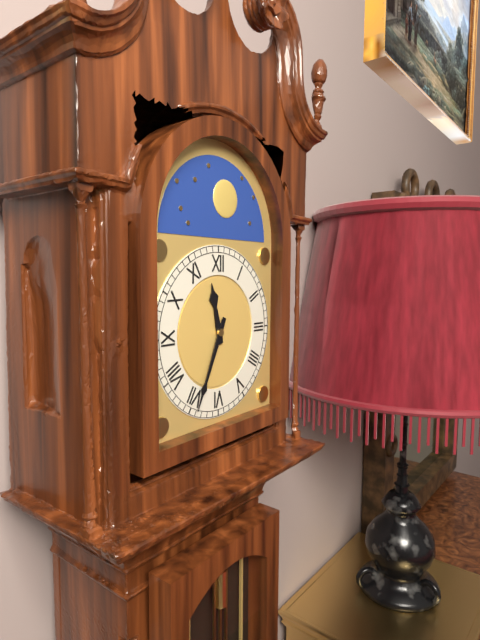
11 h 34 min
